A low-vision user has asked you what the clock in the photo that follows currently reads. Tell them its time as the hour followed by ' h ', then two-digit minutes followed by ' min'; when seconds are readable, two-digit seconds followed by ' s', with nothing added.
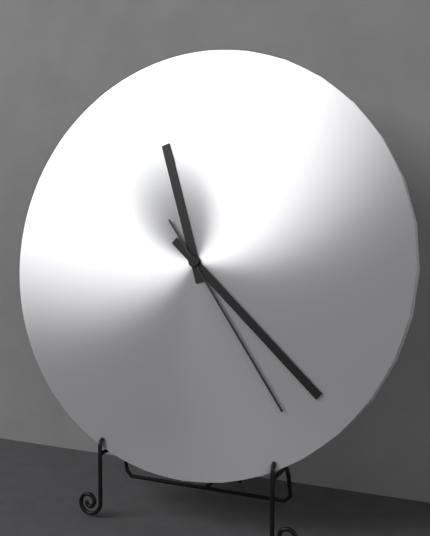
11 h 22 min 24 s
